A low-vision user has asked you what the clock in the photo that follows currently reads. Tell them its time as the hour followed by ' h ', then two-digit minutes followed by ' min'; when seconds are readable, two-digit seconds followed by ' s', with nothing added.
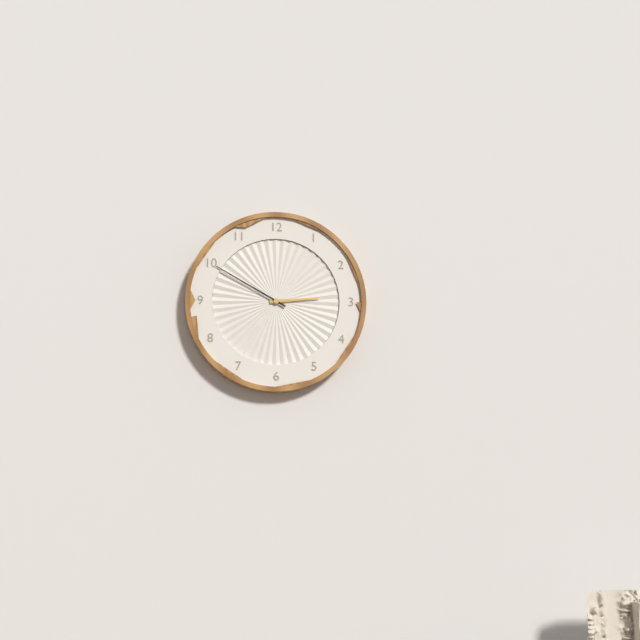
2 h 50 min
